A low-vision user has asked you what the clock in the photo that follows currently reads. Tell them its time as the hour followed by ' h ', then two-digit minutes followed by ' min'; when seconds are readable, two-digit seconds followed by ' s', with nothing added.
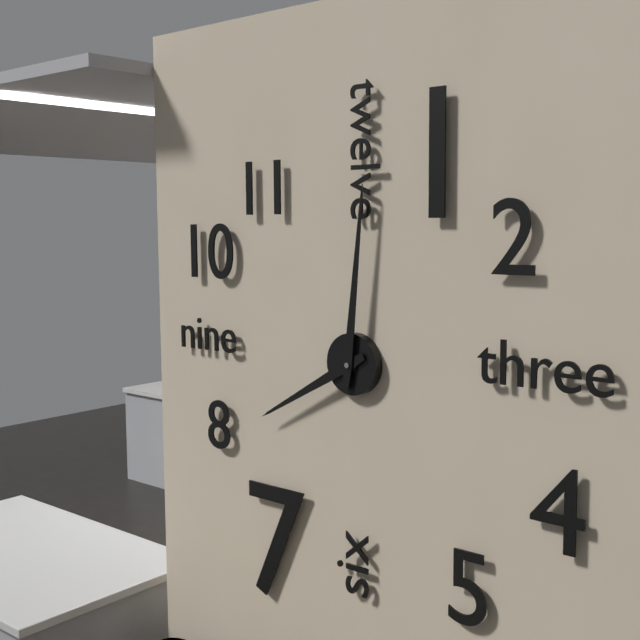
8 h 01 min
